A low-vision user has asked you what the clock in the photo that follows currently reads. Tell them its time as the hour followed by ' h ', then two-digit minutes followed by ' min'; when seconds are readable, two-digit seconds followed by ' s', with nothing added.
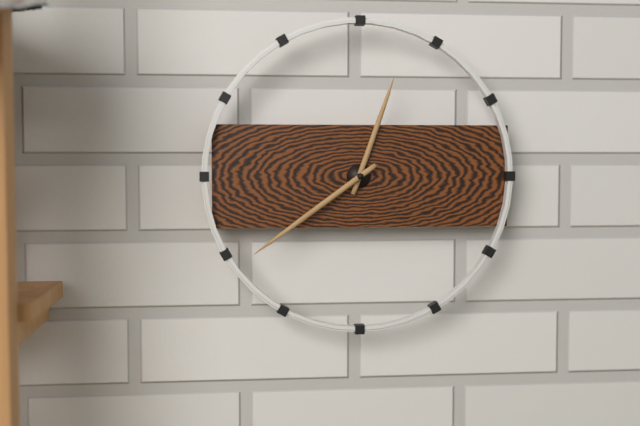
12 h 39 min
